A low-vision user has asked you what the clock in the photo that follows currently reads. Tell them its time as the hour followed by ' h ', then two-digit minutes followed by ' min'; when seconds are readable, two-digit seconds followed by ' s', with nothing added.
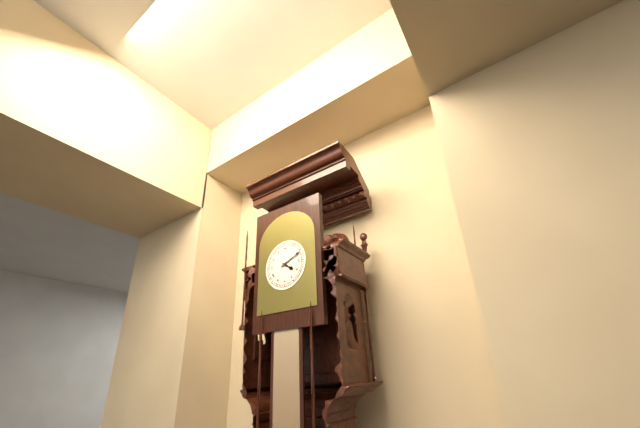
4 h 11 min
